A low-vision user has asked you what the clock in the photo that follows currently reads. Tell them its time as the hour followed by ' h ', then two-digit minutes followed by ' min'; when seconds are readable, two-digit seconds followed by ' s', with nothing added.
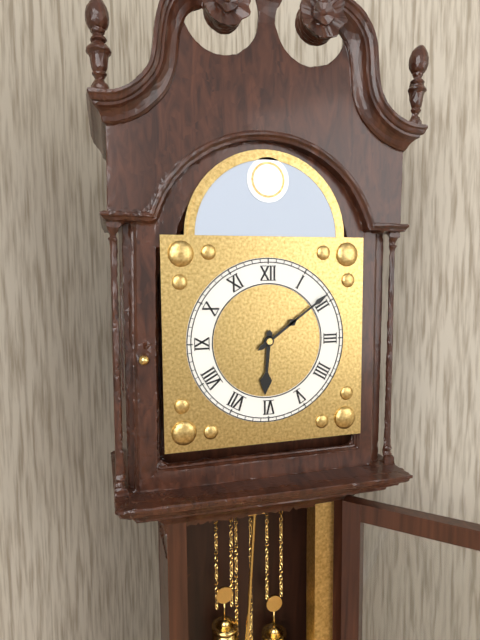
6 h 09 min
